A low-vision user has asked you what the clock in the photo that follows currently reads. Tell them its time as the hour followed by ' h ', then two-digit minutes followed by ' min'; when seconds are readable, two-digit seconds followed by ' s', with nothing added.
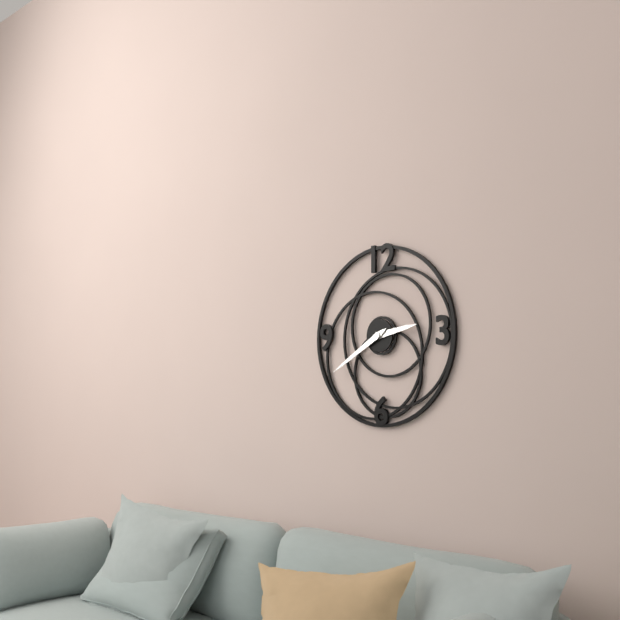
2 h 40 min
